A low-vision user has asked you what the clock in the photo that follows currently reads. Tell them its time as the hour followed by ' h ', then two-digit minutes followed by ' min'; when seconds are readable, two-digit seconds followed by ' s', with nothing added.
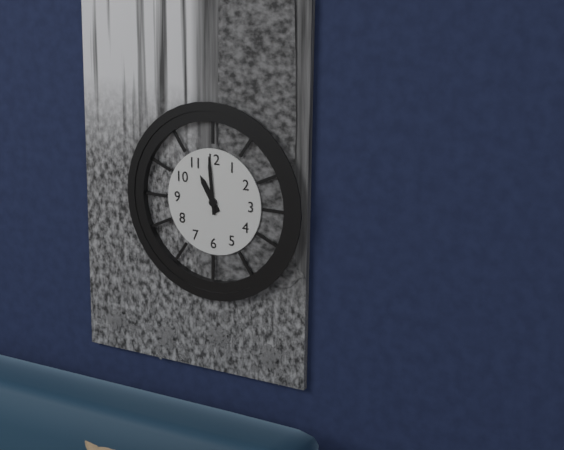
10 h 59 min
